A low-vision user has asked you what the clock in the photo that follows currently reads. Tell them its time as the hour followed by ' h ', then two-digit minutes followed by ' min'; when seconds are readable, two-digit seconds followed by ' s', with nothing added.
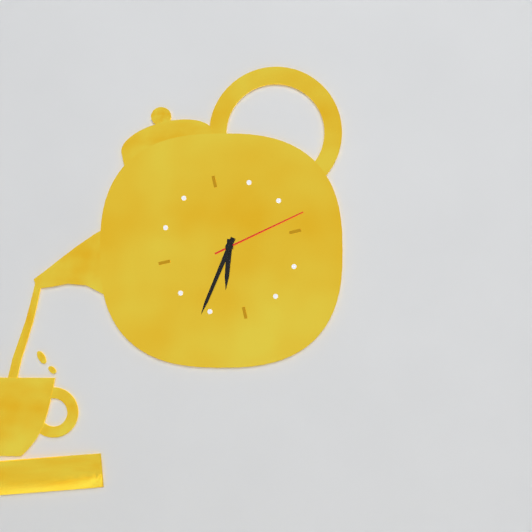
6 h 36 min 13 s
